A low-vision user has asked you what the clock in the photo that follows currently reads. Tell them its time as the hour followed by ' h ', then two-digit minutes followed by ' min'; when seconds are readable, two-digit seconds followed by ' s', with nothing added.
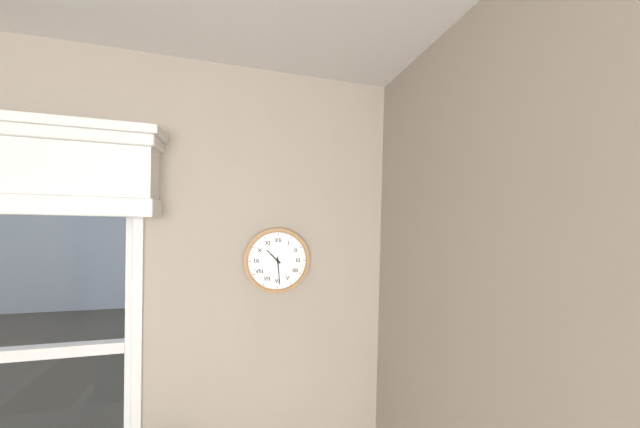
10 h 29 min
